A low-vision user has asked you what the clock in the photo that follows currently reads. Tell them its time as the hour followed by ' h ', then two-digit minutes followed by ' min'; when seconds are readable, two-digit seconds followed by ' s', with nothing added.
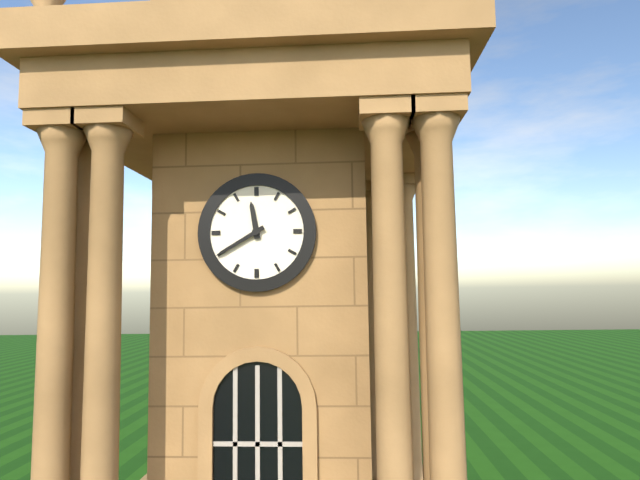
11 h 40 min
